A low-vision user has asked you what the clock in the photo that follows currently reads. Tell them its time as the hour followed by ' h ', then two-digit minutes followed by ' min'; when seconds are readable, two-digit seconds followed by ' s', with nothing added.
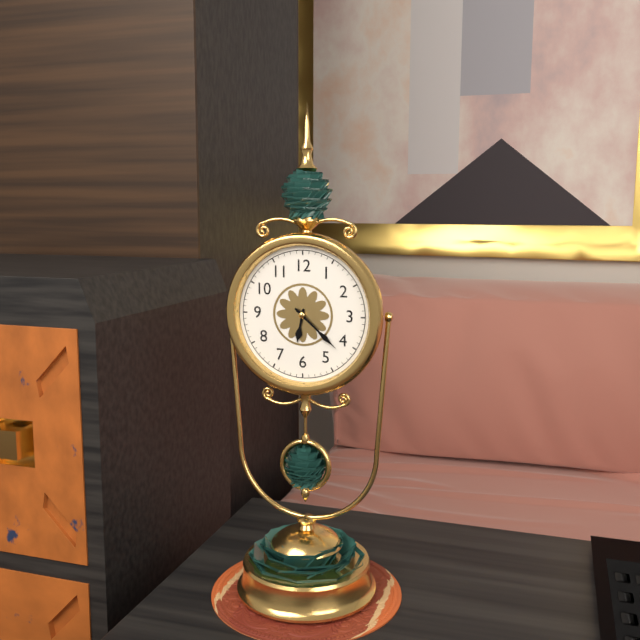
6 h 22 min
